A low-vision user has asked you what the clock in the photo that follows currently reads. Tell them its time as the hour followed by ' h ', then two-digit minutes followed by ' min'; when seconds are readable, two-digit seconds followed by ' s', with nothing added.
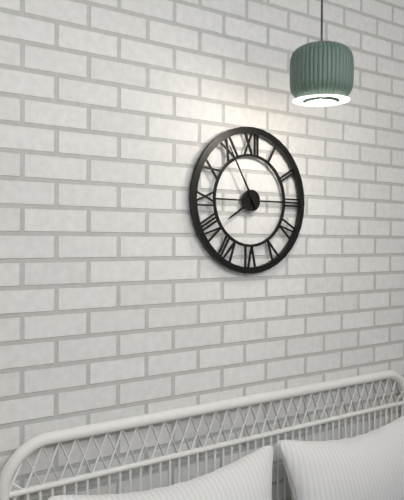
7 h 55 min
